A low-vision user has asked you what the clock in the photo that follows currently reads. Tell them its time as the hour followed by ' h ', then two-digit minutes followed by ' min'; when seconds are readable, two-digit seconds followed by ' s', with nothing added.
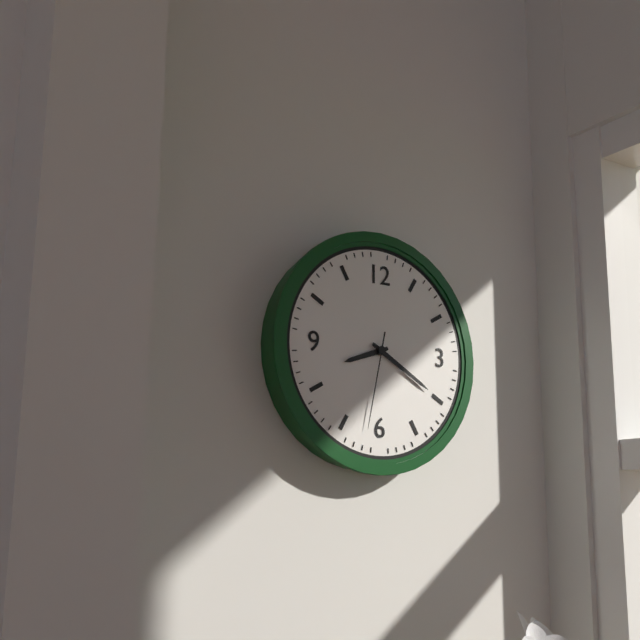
8 h 20 min 32 s
